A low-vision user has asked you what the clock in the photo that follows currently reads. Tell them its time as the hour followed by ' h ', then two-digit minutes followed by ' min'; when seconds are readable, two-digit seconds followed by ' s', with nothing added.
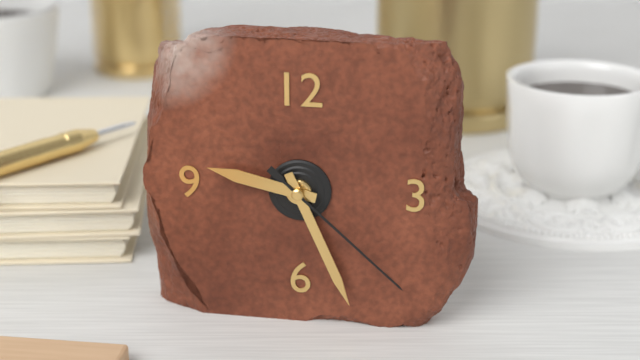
9 h 26 min 22 s
